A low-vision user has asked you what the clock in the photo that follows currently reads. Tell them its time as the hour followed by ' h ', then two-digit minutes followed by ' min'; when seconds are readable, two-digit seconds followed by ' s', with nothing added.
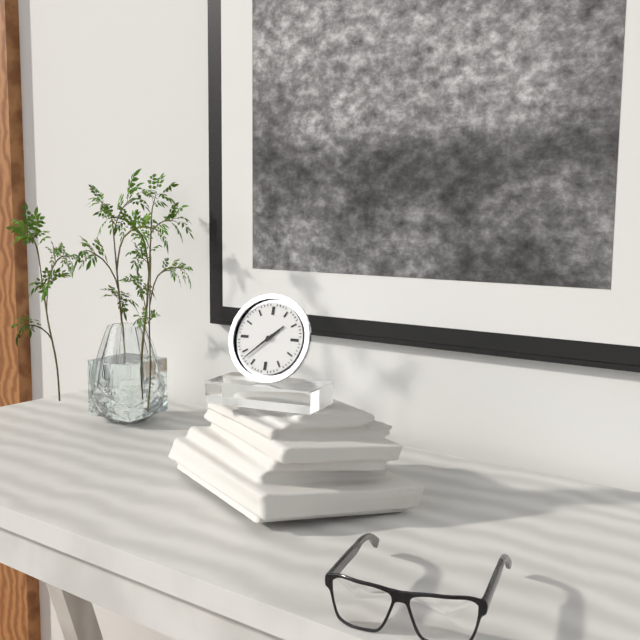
1 h 38 min
